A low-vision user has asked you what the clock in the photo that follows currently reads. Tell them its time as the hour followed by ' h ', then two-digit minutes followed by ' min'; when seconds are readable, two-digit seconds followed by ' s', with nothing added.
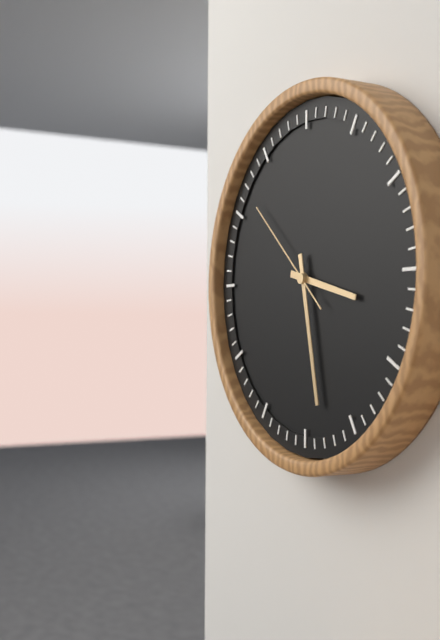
3 h 28 min 52 s
